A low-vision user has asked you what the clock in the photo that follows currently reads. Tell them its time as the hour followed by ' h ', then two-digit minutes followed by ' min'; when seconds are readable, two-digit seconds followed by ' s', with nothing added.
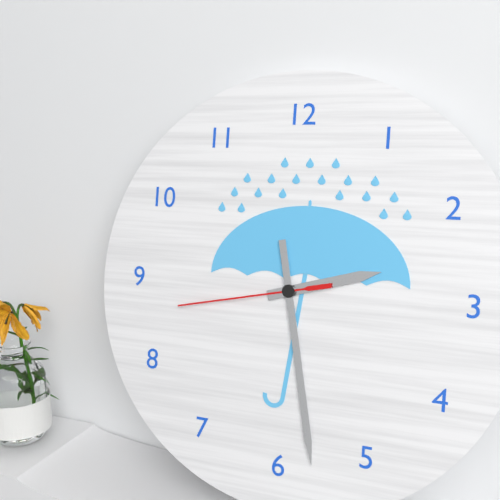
2 h 28 min 43 s
